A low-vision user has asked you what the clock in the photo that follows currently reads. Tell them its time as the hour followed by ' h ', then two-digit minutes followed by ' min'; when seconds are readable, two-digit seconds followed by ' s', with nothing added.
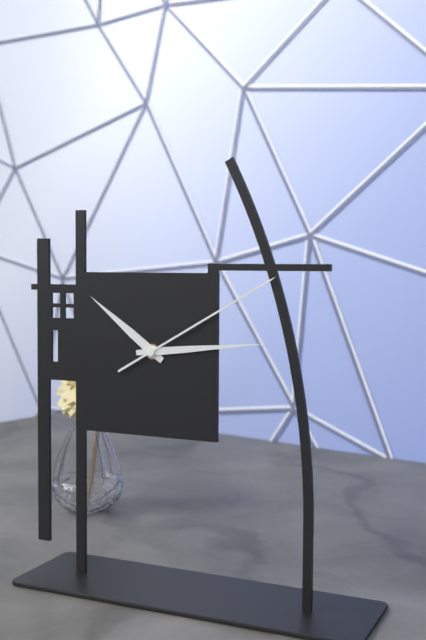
10 h 14 min 10 s
